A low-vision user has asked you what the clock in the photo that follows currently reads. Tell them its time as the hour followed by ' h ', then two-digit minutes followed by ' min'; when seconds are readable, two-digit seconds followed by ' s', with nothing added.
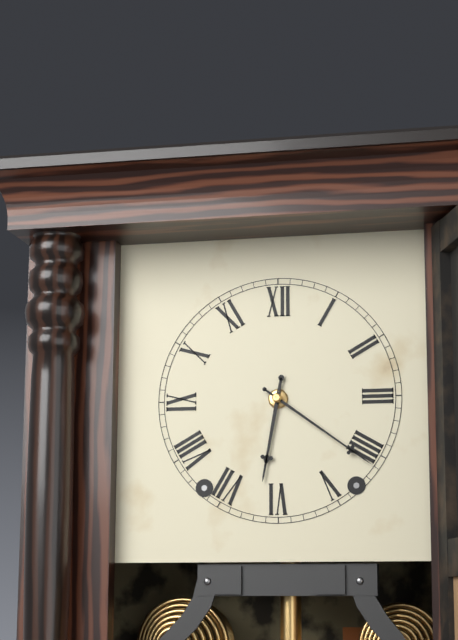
6 h 21 min
